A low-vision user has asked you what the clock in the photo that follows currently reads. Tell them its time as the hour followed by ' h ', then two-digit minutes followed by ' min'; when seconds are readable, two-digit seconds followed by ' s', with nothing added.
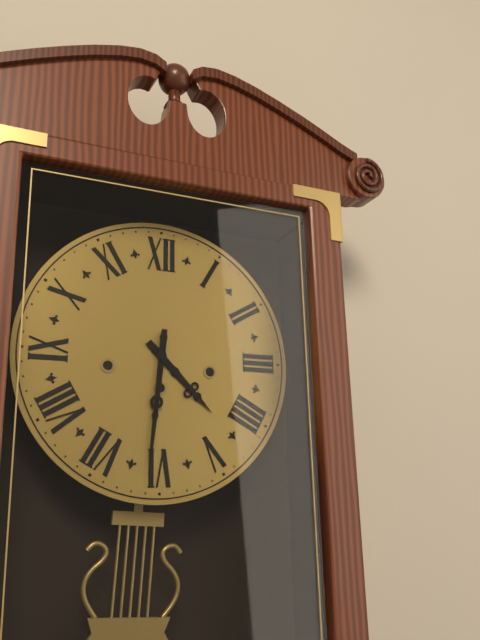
4 h 31 min
